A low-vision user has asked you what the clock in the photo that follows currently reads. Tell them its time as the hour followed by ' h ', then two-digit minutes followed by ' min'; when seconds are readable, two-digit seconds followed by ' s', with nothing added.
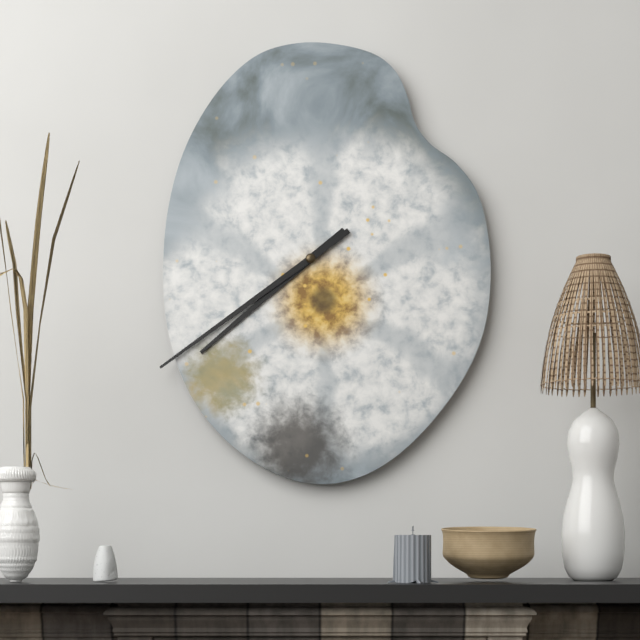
7 h 39 min
